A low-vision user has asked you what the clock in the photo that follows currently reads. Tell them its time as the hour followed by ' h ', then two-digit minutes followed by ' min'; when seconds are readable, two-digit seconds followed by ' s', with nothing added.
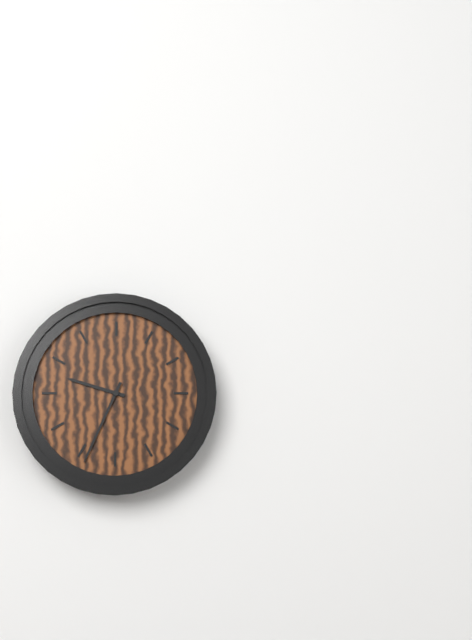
9 h 34 min
